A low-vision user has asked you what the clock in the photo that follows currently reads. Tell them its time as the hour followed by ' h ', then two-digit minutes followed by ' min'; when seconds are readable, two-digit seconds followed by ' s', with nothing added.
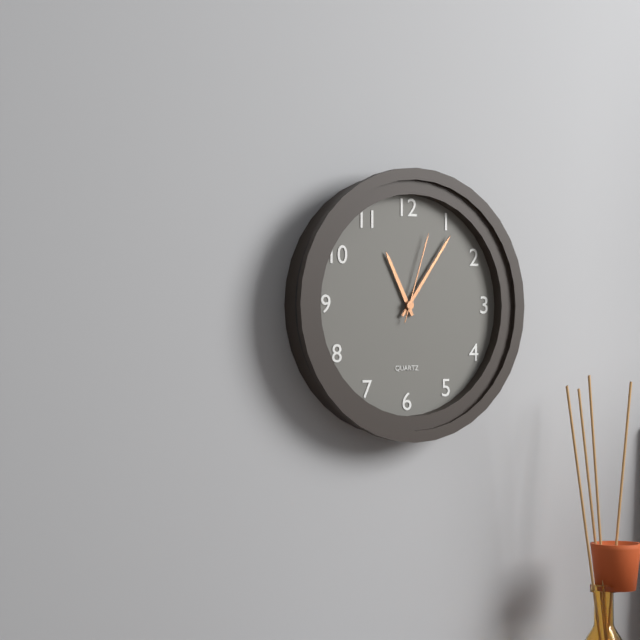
11 h 06 min 03 s
